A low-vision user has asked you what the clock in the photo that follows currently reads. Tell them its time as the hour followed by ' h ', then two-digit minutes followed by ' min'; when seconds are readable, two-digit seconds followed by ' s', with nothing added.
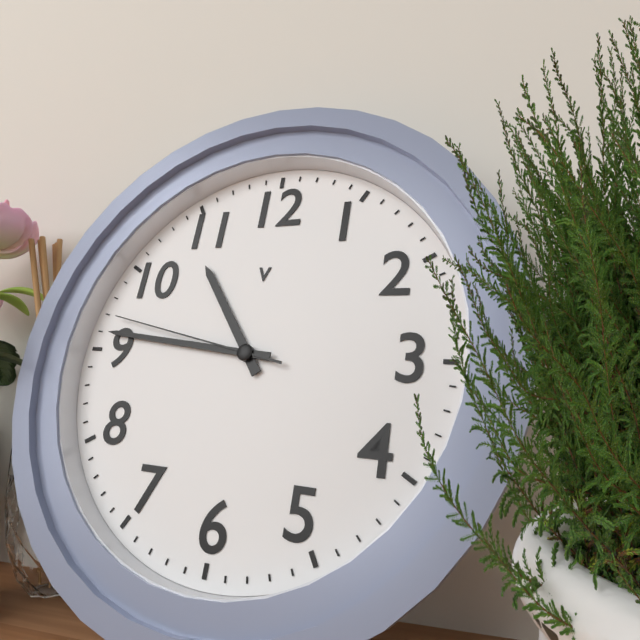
10 h 46 min 47 s
